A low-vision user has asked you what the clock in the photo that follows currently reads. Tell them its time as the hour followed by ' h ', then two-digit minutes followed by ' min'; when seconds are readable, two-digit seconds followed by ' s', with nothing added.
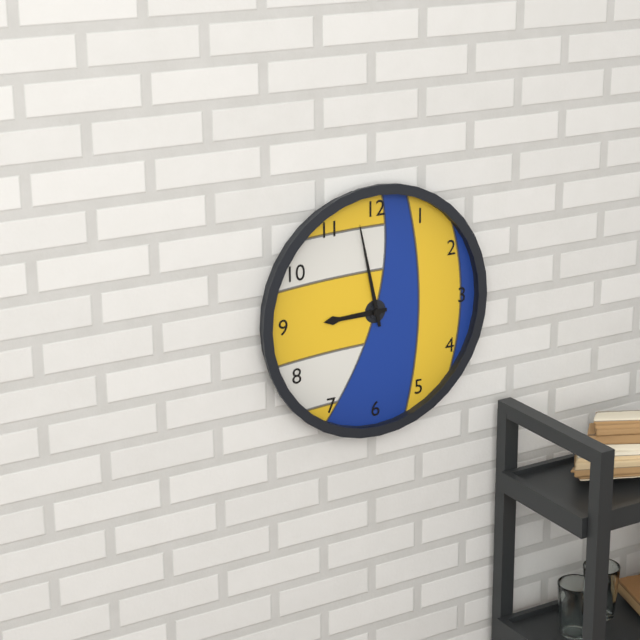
8 h 58 min
